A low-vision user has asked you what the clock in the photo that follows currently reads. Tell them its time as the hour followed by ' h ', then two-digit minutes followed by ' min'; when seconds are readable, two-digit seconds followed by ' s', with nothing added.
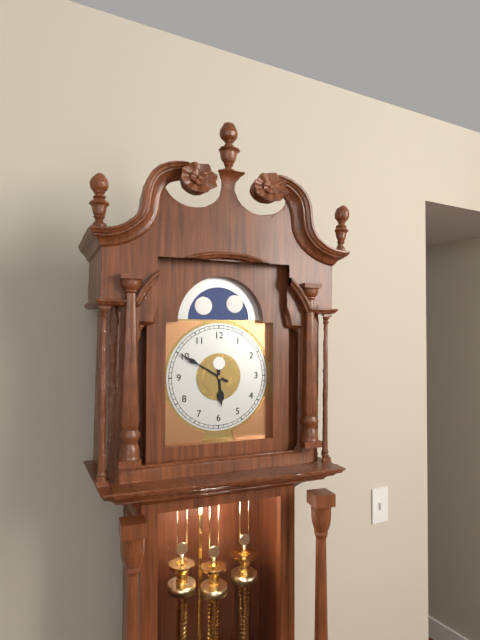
5 h 50 min
